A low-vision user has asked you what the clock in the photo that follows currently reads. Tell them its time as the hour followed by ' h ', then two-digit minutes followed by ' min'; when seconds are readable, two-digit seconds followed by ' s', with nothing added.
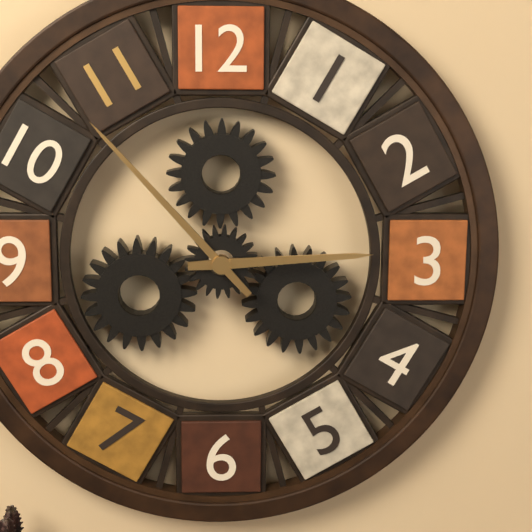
2 h 53 min
